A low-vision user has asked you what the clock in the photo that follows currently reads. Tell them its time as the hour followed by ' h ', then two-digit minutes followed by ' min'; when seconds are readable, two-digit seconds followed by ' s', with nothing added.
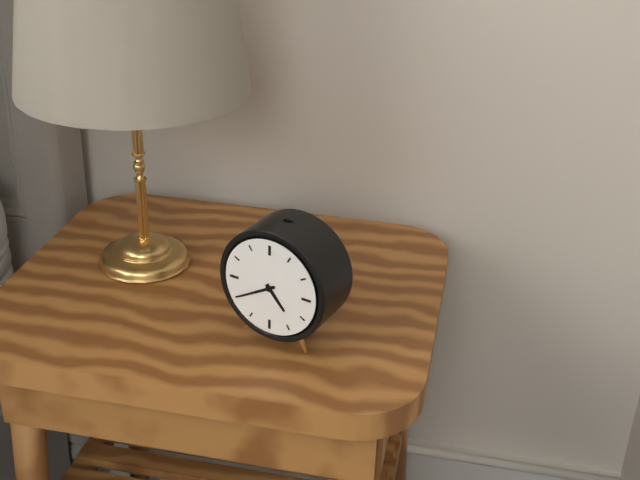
4 h 40 min
